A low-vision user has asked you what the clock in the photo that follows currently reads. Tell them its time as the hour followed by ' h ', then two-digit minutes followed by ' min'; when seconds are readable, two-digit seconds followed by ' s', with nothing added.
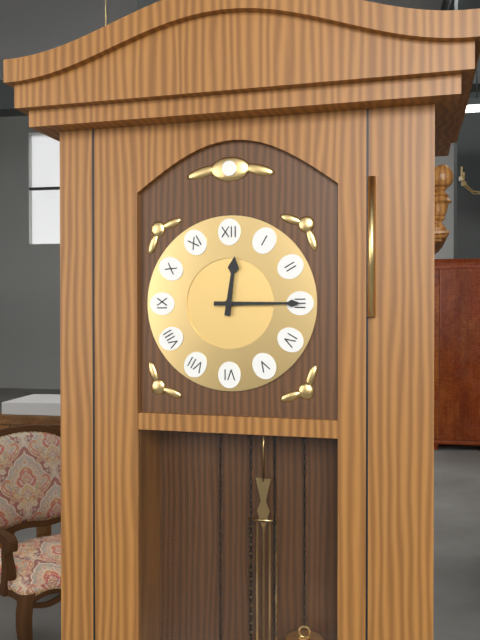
12 h 15 min
